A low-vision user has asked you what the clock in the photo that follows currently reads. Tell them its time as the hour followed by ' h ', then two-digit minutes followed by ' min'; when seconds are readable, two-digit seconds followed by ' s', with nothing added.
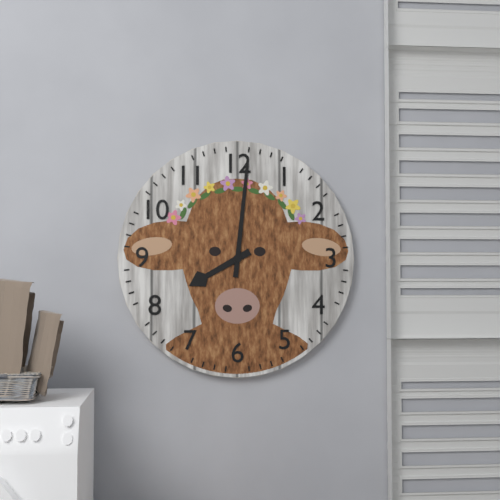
8 h 01 min
